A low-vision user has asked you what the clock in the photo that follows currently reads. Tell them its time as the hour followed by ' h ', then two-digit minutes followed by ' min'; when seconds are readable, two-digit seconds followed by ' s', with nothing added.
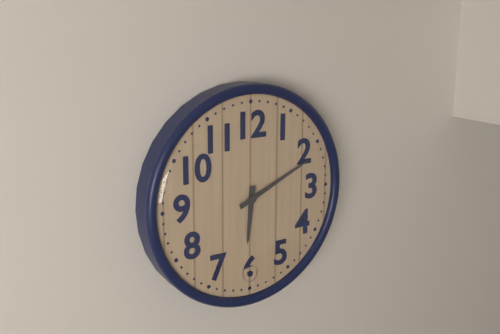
6 h 11 min
